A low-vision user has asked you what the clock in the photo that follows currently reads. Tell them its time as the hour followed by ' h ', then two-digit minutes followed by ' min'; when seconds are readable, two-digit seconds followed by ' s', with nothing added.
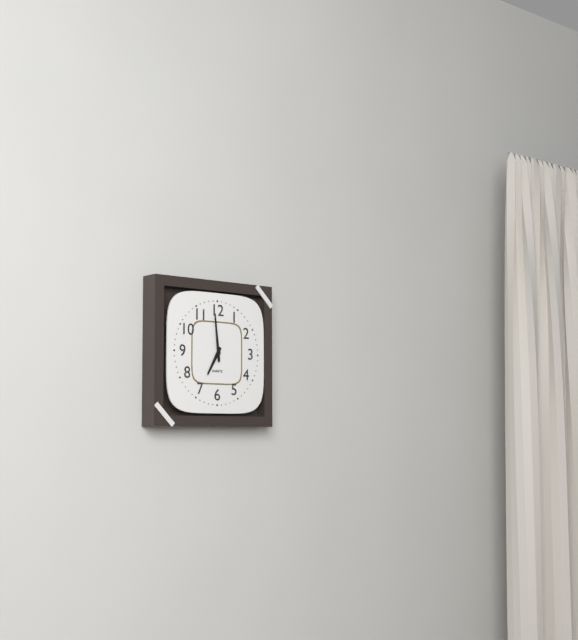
6 h 59 min
